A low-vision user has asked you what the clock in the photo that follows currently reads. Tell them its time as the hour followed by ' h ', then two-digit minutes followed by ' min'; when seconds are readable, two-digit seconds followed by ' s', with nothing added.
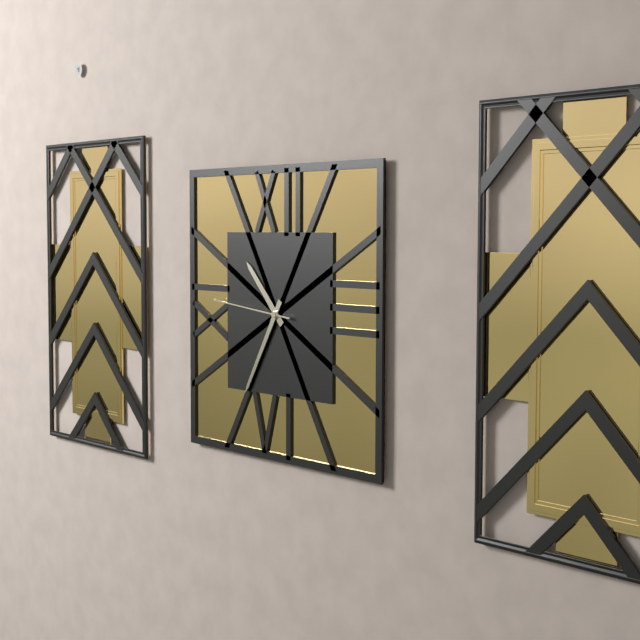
10 h 35 min 46 s
